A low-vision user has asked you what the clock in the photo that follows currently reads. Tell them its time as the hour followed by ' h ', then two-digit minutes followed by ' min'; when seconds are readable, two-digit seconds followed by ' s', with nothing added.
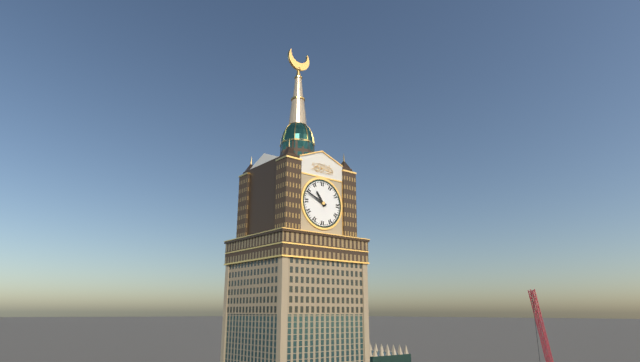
10 h 49 min
